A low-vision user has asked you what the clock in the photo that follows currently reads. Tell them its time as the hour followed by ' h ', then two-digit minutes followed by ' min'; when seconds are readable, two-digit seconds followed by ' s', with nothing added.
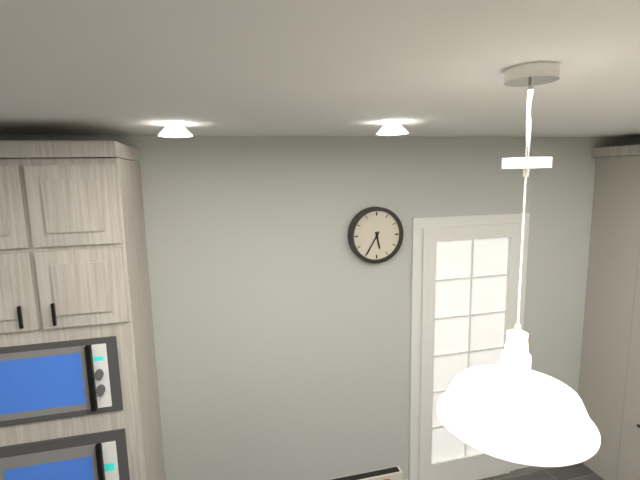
5 h 35 min
